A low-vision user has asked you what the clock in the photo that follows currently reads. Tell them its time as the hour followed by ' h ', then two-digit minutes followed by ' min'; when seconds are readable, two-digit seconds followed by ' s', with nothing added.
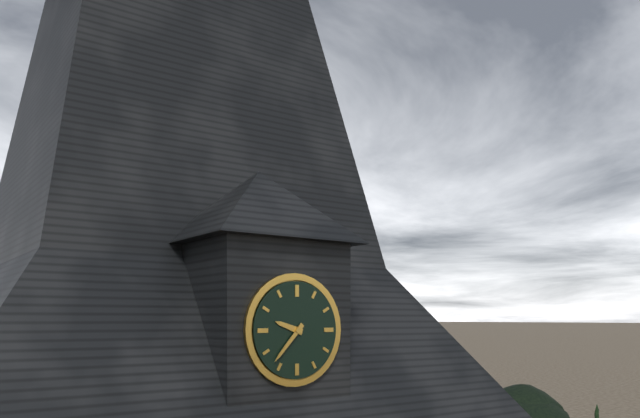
9 h 37 min
